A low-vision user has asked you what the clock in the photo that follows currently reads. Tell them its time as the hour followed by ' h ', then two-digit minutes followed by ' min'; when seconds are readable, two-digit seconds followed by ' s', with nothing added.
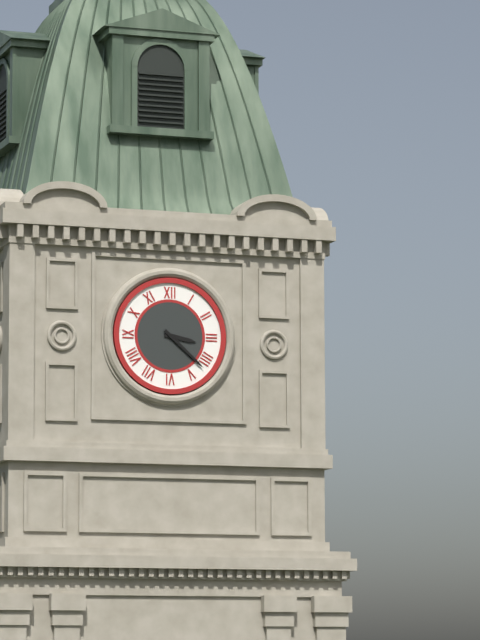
3 h 22 min
